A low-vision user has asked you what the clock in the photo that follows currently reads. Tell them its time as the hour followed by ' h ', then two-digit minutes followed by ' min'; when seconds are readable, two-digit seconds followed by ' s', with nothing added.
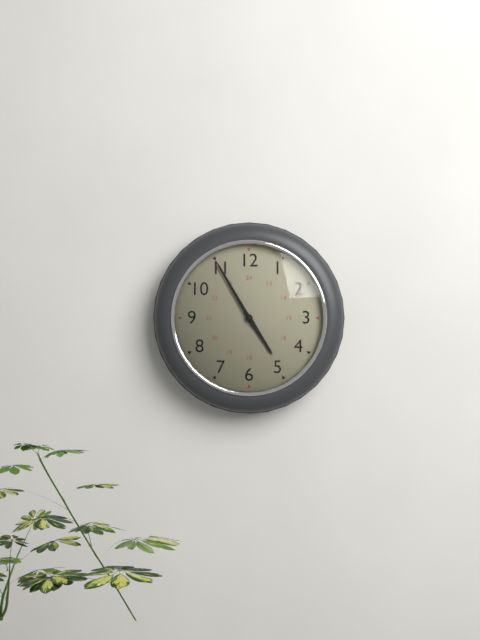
4 h 55 min
